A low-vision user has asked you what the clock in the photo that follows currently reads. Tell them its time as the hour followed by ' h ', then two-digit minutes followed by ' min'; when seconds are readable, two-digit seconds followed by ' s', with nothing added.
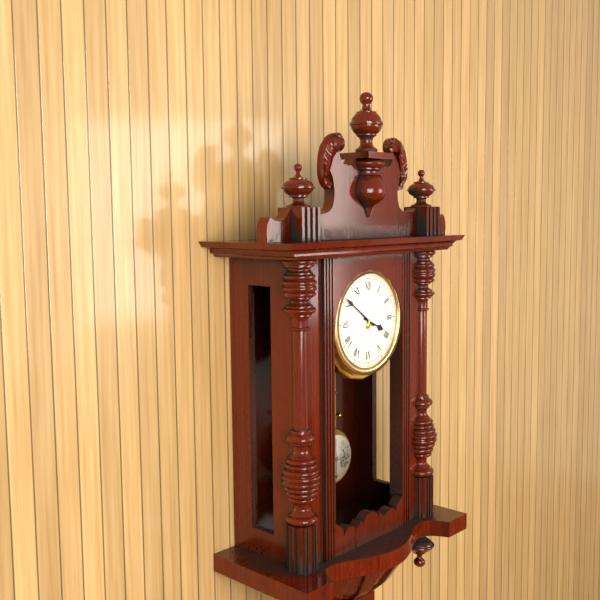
3 h 51 min
